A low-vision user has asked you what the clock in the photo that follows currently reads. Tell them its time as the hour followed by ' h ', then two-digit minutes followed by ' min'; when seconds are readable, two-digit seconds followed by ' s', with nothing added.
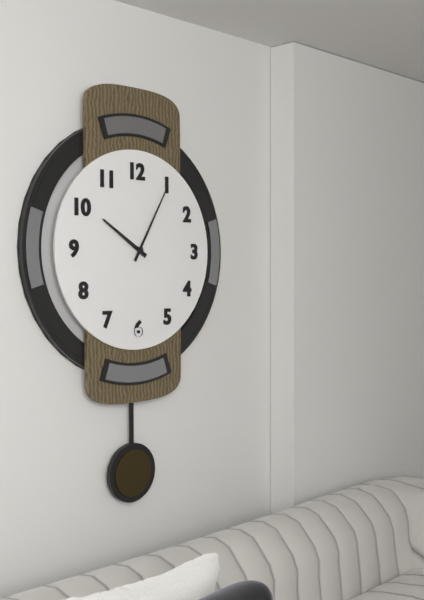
10 h 05 min
